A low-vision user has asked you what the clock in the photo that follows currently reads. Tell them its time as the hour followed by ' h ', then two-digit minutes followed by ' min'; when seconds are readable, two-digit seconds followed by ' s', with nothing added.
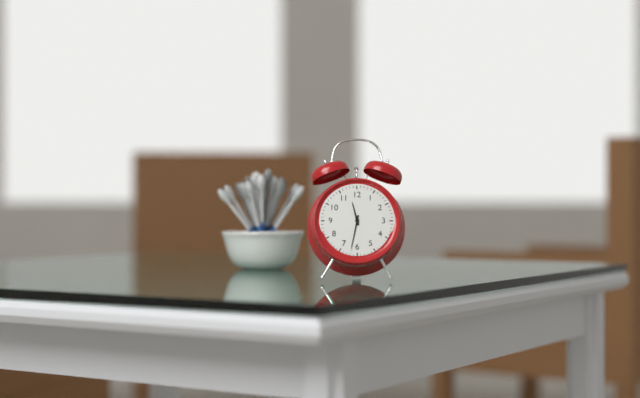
11 h 32 min
